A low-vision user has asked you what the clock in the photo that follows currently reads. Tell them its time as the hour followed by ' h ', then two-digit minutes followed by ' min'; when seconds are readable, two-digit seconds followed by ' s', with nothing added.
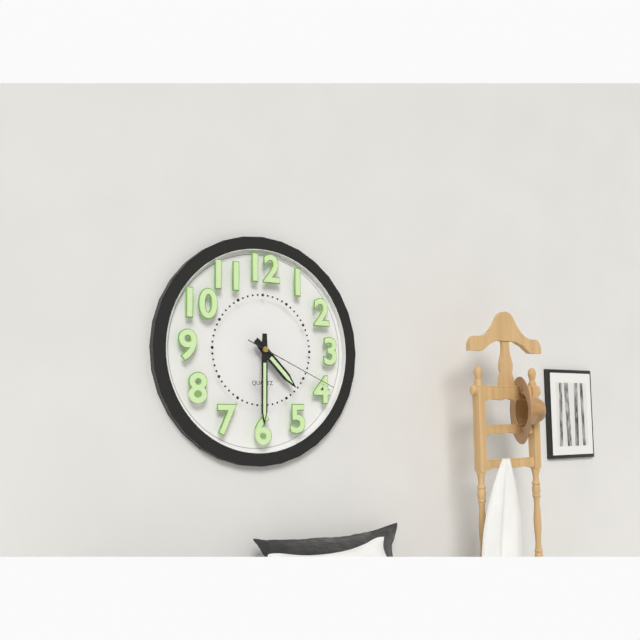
4 h 30 min 19 s
